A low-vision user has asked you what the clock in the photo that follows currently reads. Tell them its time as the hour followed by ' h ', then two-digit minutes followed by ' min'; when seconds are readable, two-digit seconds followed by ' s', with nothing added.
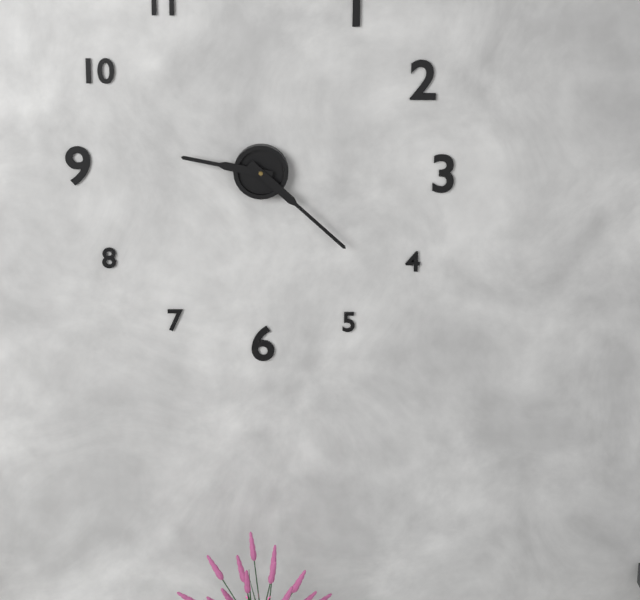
9 h 22 min
